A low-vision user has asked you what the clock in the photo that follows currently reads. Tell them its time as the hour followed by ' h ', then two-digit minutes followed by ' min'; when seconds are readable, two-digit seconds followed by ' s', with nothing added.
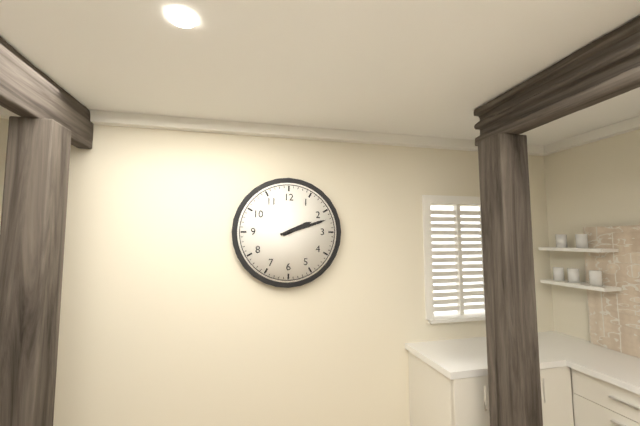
2 h 12 min
